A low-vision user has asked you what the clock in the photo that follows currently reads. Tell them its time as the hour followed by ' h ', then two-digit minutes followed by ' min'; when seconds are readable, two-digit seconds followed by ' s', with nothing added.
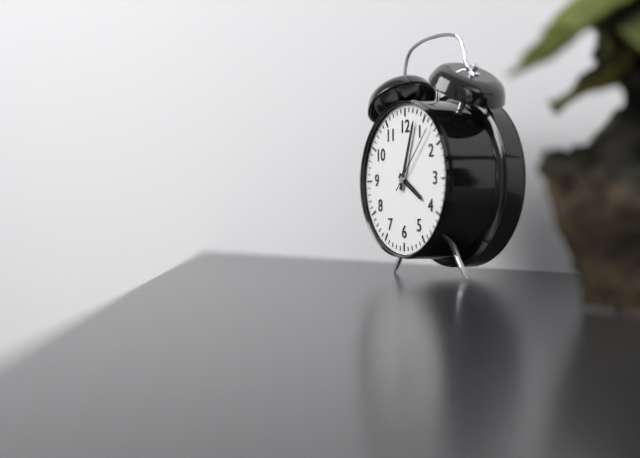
4 h 03 min 07 s
